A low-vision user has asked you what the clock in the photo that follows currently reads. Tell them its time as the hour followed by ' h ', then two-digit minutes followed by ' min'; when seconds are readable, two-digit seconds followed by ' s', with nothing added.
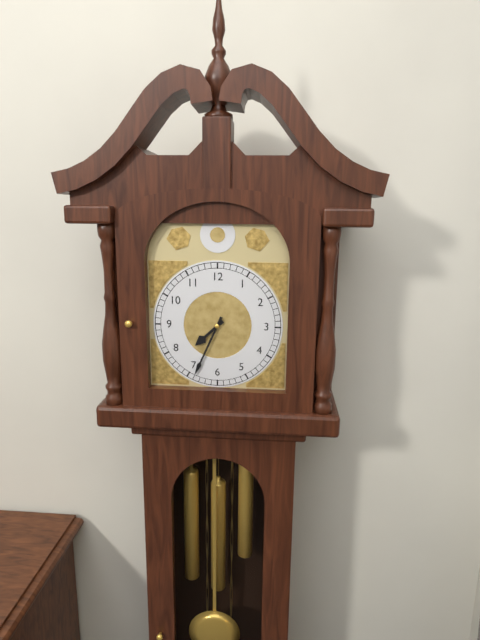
7 h 34 min
